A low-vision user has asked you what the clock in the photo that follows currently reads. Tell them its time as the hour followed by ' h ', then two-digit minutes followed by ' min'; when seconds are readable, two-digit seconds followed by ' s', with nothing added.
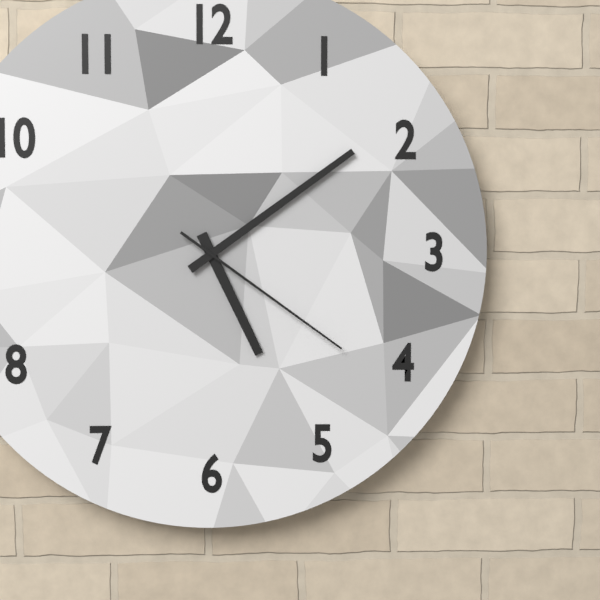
5 h 09 min 21 s
